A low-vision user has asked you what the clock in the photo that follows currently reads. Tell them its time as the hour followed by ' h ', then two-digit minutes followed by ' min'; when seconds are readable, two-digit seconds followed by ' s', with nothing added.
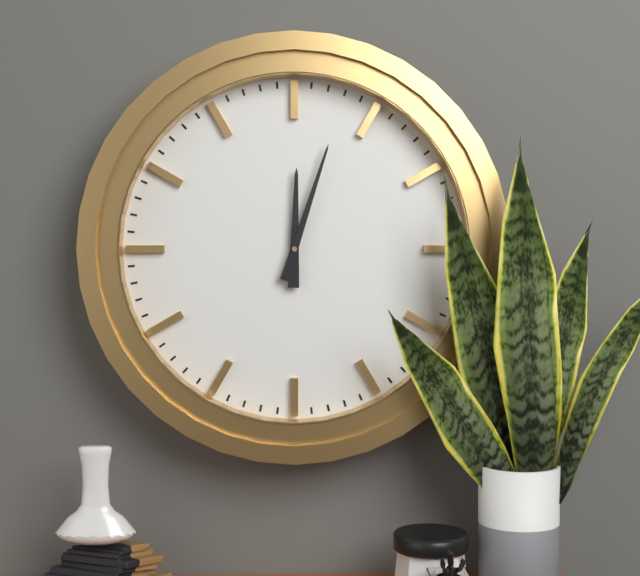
12 h 03 min
